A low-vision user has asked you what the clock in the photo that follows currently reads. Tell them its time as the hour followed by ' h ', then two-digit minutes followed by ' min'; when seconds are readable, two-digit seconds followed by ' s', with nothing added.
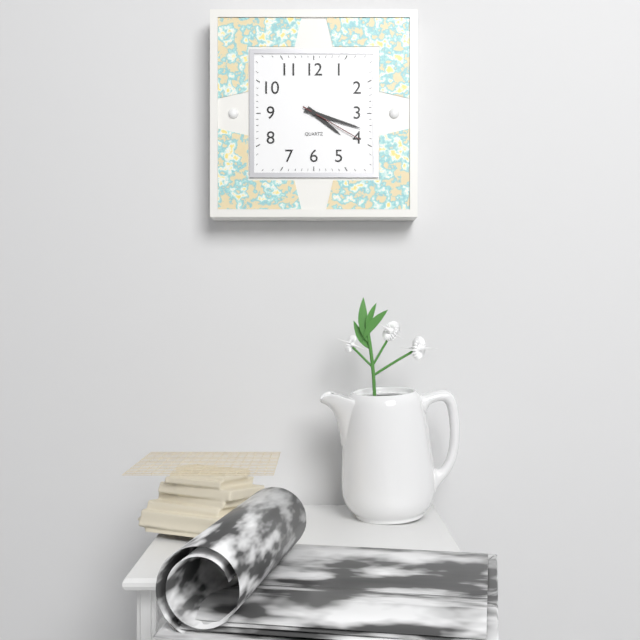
4 h 18 min 20 s
